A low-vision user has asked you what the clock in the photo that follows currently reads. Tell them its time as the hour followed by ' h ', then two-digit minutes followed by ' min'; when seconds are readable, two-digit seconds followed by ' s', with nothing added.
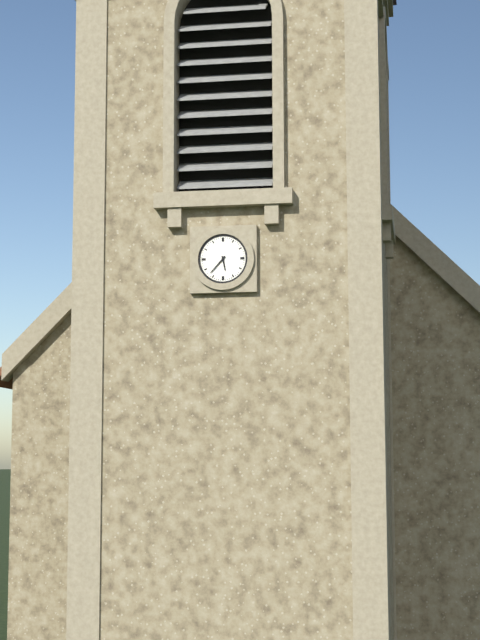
5 h 37 min
